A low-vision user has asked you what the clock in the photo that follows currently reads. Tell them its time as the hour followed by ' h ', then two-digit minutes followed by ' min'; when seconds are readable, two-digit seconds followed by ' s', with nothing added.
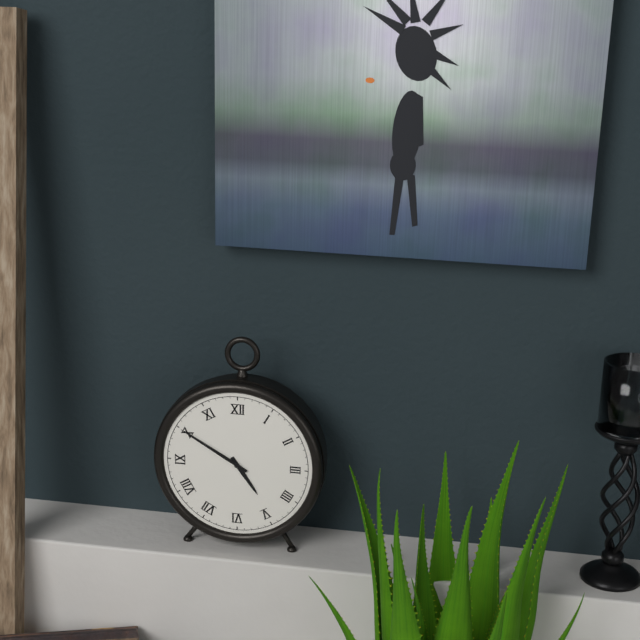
4 h 50 min
